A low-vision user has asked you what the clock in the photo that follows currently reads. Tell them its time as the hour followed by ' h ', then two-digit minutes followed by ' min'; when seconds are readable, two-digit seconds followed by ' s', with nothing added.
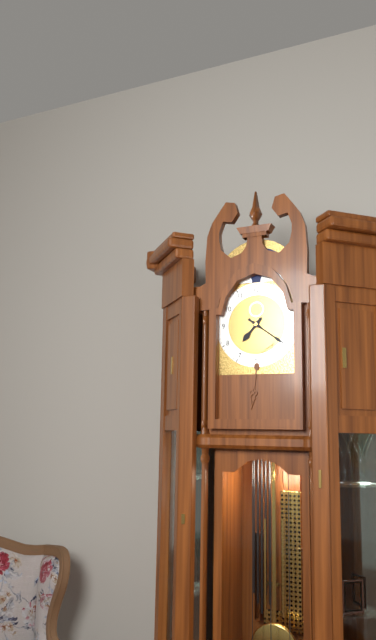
7 h 21 min
